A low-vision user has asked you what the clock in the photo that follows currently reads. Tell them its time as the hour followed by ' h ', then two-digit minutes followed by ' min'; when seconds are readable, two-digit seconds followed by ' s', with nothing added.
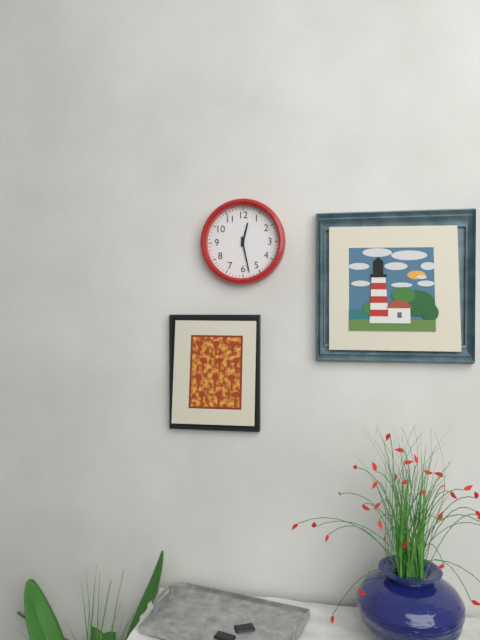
12 h 28 min
